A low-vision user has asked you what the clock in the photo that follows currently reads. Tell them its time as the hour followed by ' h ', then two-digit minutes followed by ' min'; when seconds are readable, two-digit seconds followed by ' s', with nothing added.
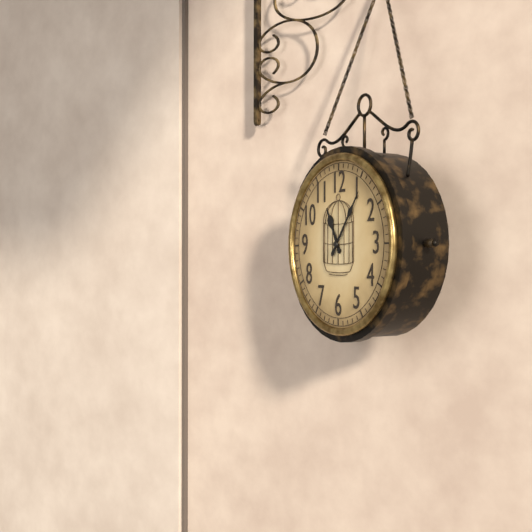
11 h 06 min
